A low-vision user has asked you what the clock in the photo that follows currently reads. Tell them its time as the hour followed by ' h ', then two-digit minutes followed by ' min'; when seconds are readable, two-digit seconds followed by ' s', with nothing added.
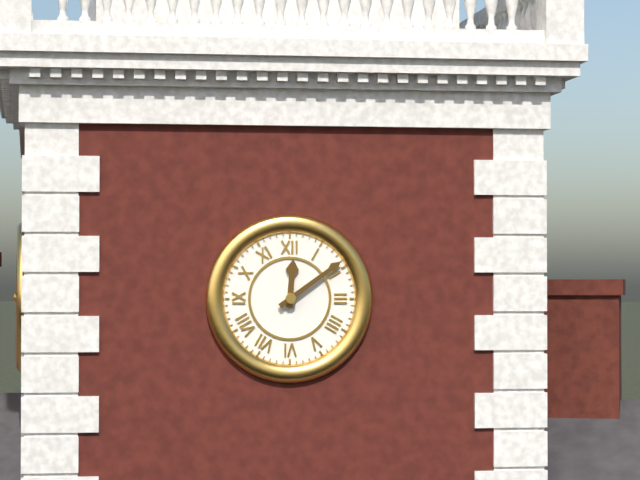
12 h 09 min
